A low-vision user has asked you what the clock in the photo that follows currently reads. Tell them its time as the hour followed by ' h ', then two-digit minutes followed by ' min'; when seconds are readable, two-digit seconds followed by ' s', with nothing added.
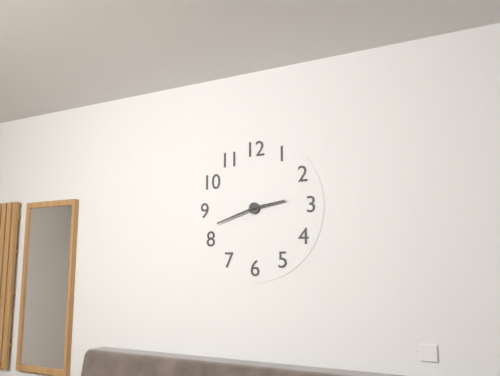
2 h 42 min
